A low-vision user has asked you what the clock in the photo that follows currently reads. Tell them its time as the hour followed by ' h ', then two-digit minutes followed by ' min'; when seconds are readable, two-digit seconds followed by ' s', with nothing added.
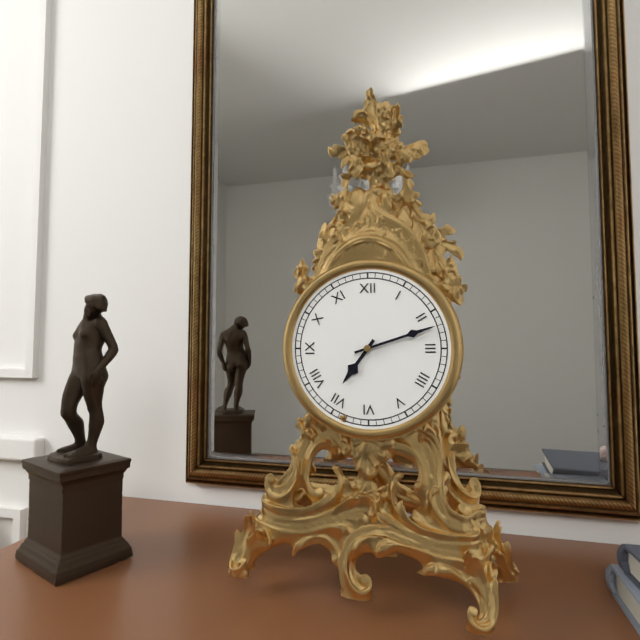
7 h 12 min
